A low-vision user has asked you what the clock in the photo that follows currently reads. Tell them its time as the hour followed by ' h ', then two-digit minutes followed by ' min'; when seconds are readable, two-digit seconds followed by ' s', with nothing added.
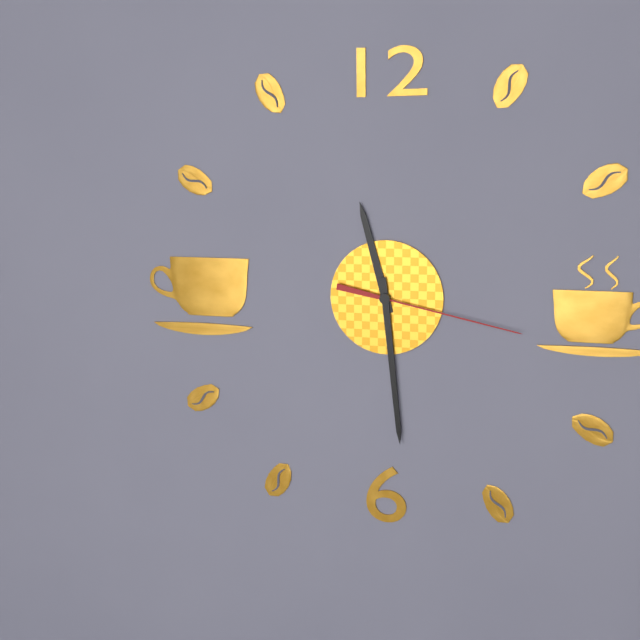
11 h 29 min 17 s
